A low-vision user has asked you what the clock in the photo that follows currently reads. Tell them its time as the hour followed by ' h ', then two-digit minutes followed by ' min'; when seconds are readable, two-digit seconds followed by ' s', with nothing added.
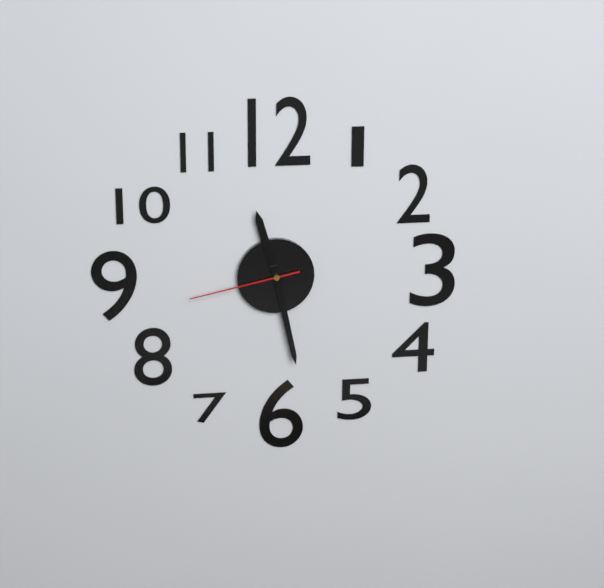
11 h 28 min 43 s
